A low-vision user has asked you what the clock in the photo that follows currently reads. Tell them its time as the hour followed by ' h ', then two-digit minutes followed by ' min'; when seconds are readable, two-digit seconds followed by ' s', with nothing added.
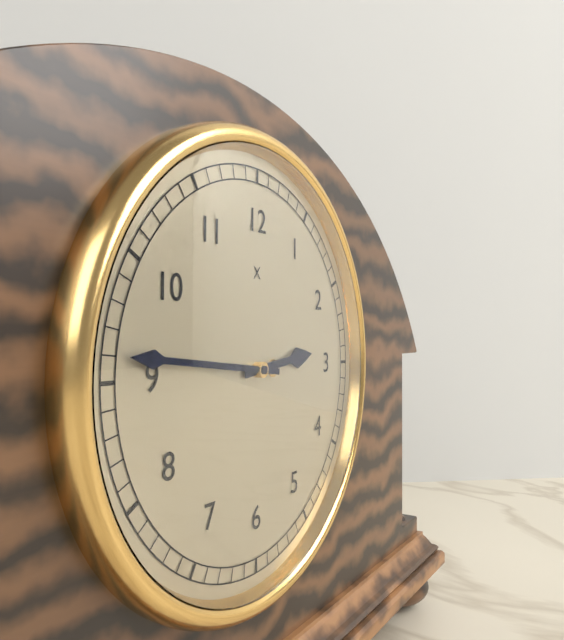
2 h 46 min
